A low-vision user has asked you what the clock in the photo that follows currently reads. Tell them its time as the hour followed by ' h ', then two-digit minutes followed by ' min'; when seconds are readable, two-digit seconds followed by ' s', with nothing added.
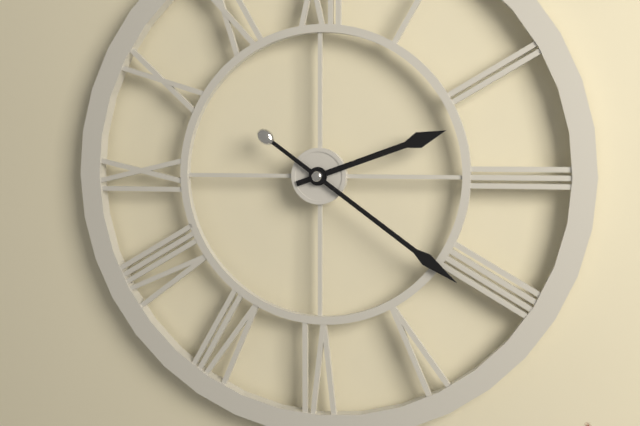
2 h 21 min
